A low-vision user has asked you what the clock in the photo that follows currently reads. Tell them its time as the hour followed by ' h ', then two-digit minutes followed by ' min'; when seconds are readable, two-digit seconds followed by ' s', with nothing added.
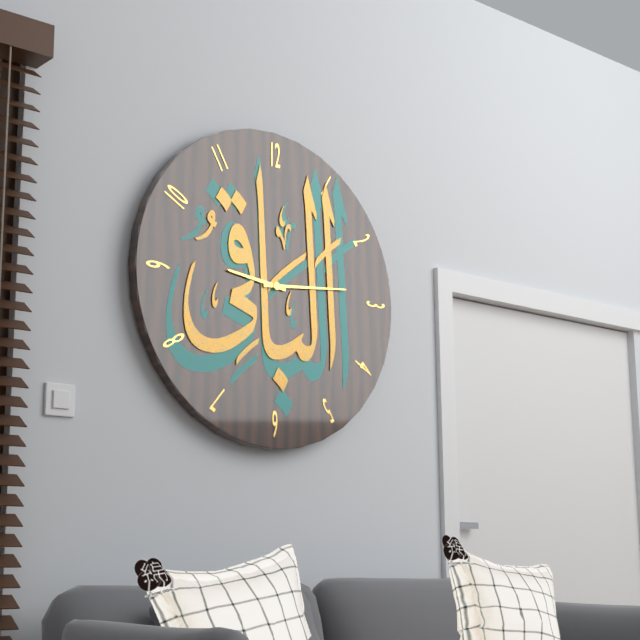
9 h 14 min
